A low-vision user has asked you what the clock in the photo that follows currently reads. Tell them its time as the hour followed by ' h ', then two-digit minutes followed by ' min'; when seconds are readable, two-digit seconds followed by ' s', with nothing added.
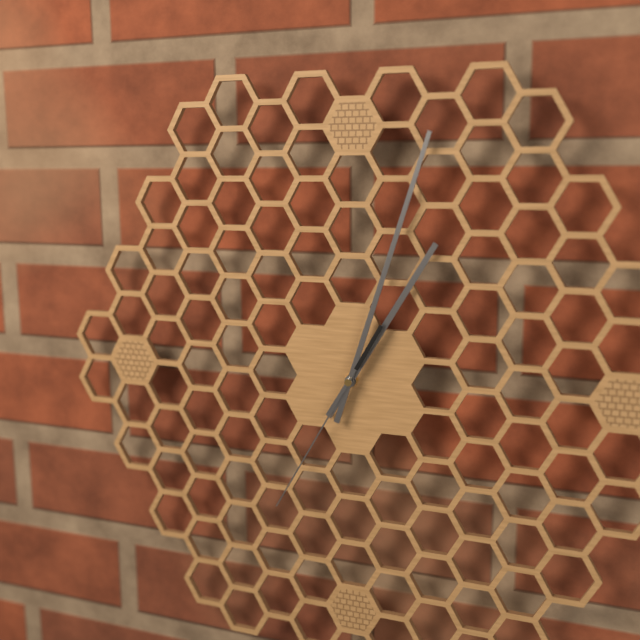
1 h 03 min 35 s
